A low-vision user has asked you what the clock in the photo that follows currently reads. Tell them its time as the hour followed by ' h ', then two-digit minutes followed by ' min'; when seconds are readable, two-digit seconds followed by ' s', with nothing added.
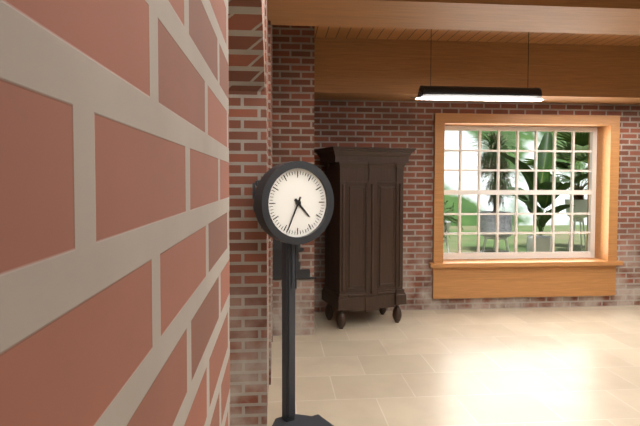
4 h 34 min
